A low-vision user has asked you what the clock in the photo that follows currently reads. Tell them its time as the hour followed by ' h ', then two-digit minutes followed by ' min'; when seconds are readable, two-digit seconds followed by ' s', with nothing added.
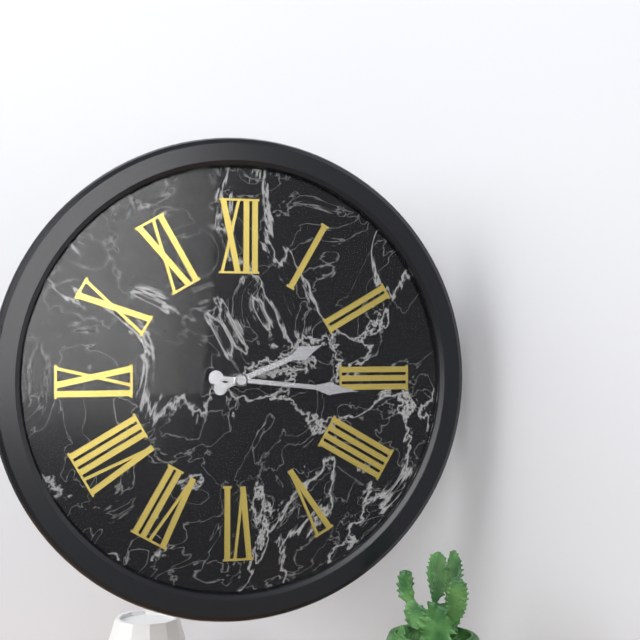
2 h 16 min
